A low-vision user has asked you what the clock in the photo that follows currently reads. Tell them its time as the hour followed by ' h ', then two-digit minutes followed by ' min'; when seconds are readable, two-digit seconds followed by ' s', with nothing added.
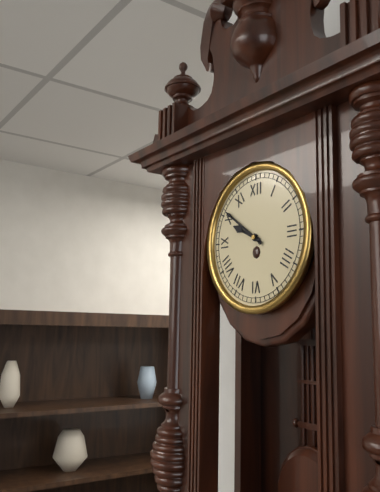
9 h 51 min
